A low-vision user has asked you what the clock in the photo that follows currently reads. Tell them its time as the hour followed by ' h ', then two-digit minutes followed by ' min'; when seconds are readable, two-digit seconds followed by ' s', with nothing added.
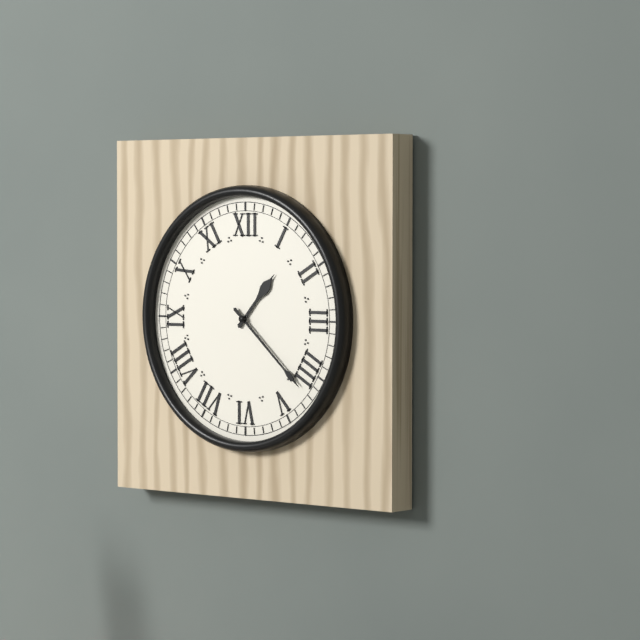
1 h 22 min
